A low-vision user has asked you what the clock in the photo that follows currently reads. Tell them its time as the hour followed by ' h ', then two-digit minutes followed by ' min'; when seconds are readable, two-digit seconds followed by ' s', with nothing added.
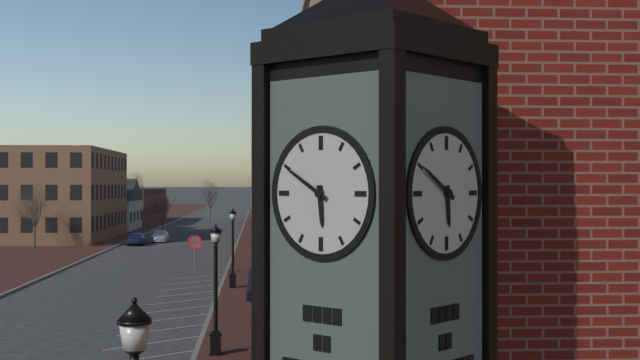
5 h 50 min
